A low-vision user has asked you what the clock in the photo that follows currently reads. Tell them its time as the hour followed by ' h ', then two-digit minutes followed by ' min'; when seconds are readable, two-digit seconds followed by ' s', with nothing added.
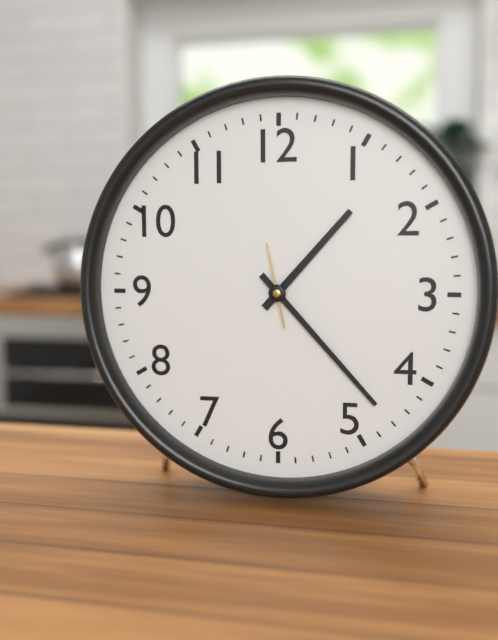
1 h 23 min 58 s
